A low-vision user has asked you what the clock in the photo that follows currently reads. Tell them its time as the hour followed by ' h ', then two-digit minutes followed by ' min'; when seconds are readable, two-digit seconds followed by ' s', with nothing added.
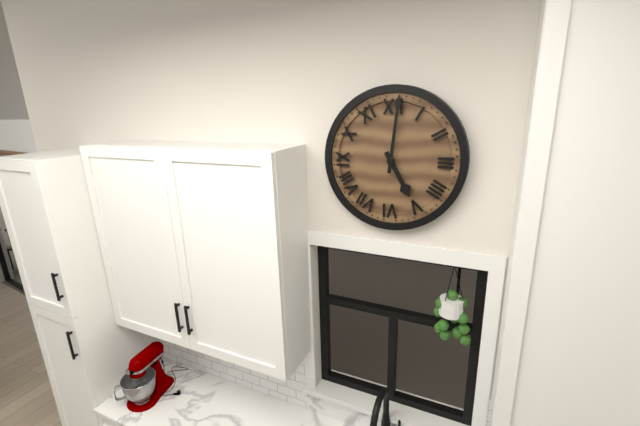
5 h 01 min
